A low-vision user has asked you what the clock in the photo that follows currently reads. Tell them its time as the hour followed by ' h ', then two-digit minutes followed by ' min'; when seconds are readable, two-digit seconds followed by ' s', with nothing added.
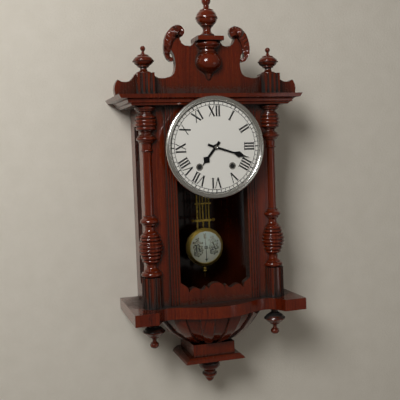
7 h 18 min
